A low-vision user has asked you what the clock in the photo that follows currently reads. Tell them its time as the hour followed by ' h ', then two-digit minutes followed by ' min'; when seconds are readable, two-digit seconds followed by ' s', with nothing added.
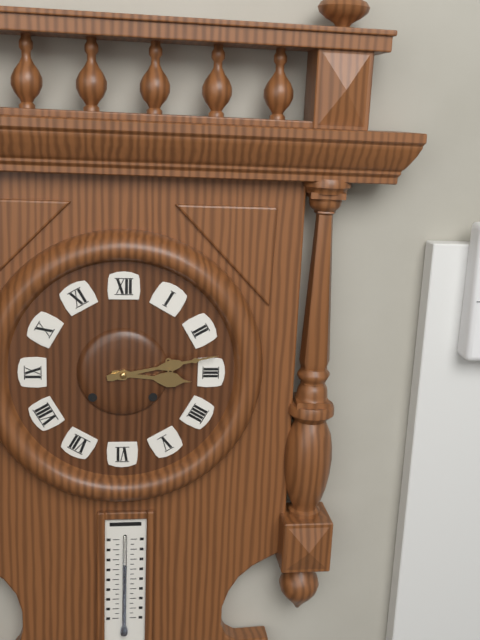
3 h 13 min
